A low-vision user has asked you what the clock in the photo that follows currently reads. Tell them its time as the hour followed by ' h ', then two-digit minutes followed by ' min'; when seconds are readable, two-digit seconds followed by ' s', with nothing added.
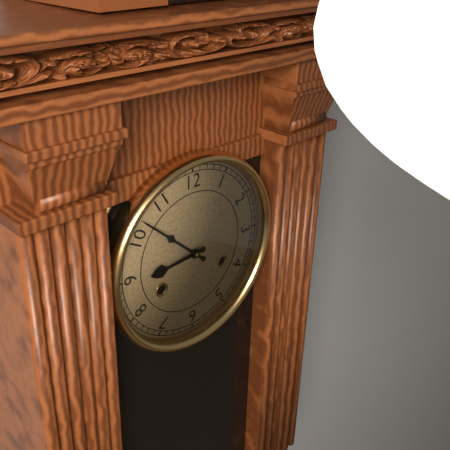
8 h 52 min
